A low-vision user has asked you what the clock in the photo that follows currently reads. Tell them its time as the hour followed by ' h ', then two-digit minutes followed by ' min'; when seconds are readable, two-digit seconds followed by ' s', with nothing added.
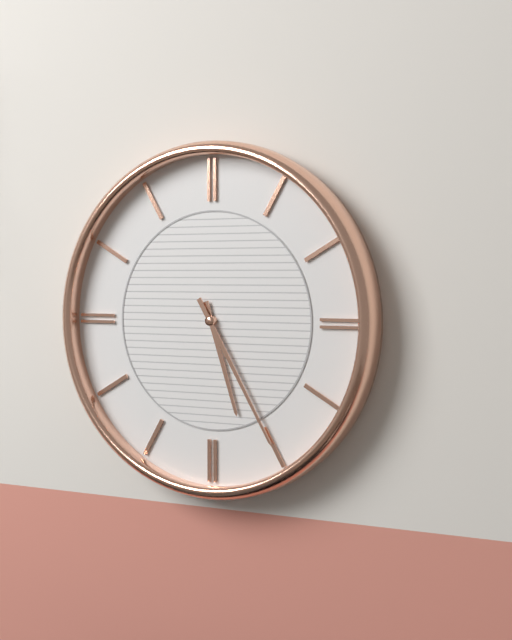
5 h 25 min
